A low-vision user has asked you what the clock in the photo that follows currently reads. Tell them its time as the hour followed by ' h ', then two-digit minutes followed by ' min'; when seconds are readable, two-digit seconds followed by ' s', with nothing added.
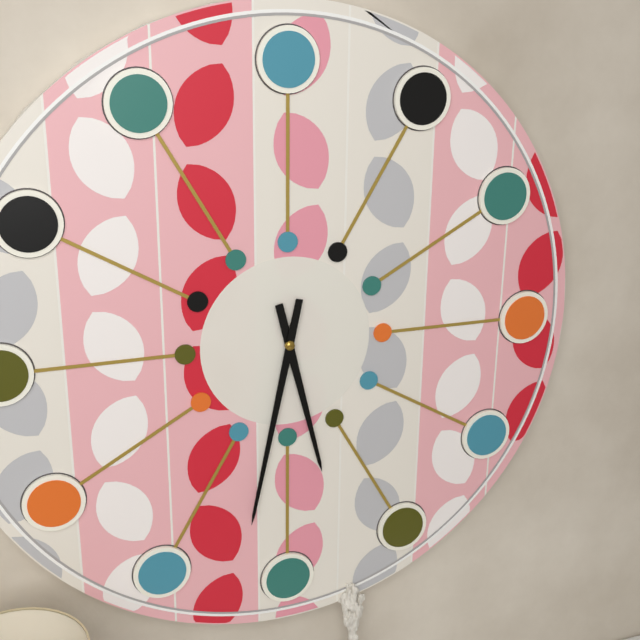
5 h 32 min
